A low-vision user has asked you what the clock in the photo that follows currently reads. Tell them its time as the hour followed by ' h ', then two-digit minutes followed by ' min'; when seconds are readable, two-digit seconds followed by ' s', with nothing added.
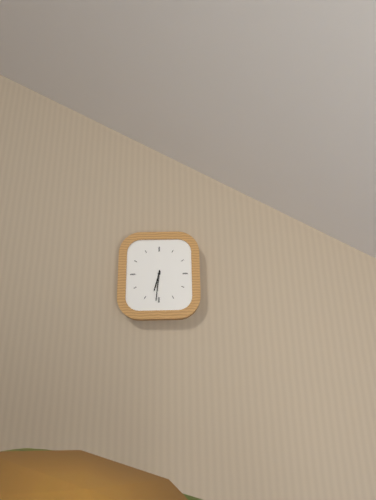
6 h 31 min
